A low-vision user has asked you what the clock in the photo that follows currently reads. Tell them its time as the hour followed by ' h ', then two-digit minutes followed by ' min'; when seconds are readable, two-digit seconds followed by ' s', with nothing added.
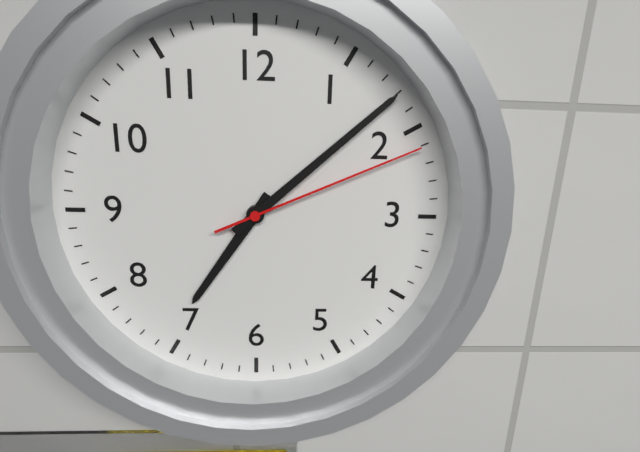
7 h 08 min 11 s
